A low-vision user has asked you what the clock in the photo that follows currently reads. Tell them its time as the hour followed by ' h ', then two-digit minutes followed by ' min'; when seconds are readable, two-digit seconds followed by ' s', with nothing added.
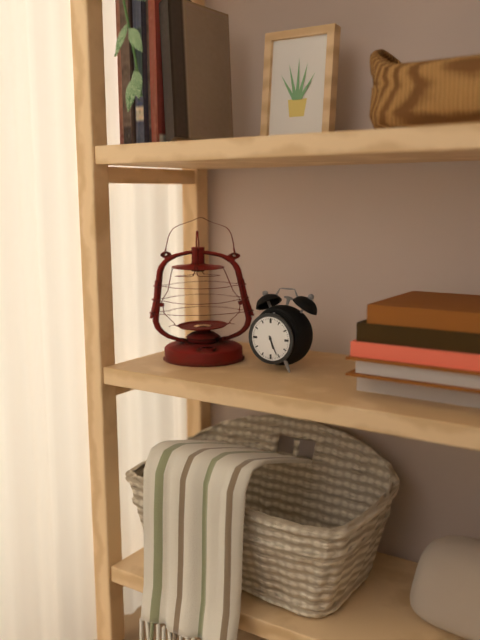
5 h 26 min
